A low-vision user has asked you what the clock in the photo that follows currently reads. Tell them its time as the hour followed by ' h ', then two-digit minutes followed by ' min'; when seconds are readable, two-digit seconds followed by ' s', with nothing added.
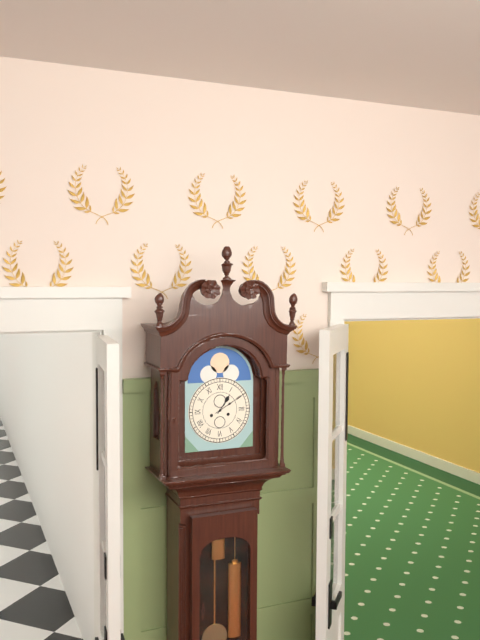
1 h 10 min
